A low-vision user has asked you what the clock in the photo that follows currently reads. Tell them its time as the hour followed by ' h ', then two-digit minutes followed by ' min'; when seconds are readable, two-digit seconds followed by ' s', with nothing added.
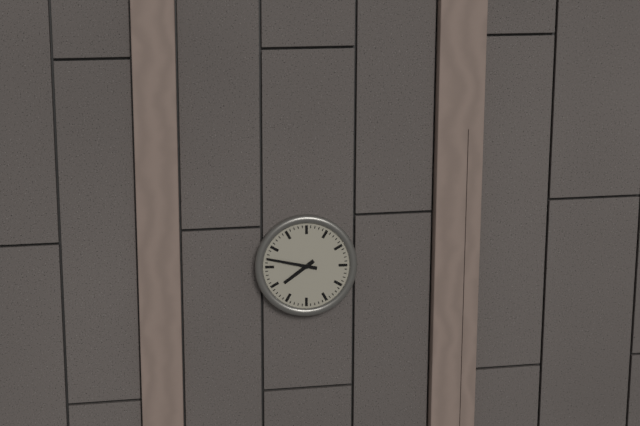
7 h 47 min
